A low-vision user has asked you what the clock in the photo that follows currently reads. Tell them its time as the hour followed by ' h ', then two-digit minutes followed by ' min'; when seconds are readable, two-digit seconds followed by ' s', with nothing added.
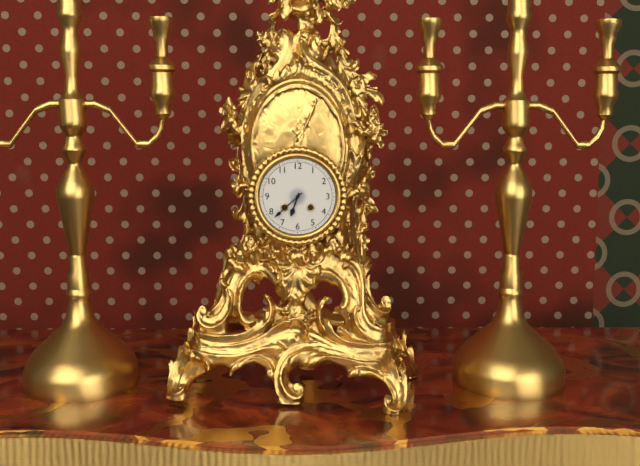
6 h 38 min
